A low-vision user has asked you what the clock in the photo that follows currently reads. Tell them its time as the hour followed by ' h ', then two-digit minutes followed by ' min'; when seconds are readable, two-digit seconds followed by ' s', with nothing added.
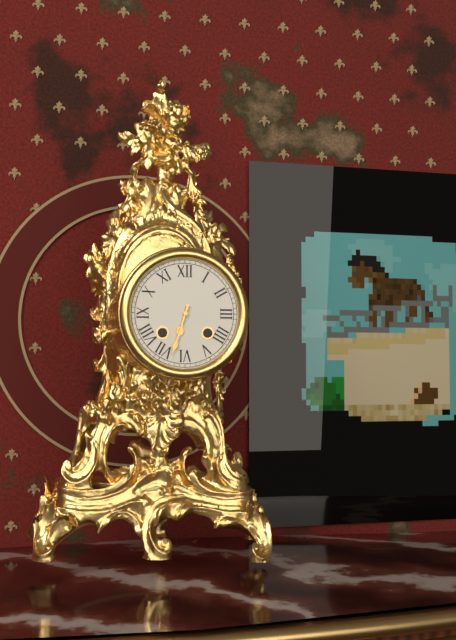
6 h 33 min
